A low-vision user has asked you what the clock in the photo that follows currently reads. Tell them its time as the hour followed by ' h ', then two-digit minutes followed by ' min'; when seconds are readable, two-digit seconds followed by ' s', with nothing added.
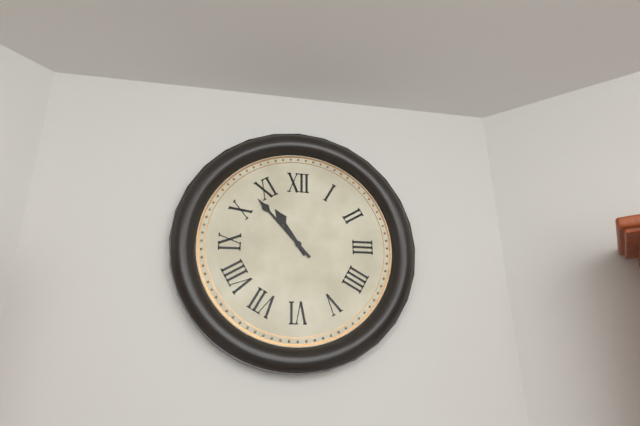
10 h 53 min
